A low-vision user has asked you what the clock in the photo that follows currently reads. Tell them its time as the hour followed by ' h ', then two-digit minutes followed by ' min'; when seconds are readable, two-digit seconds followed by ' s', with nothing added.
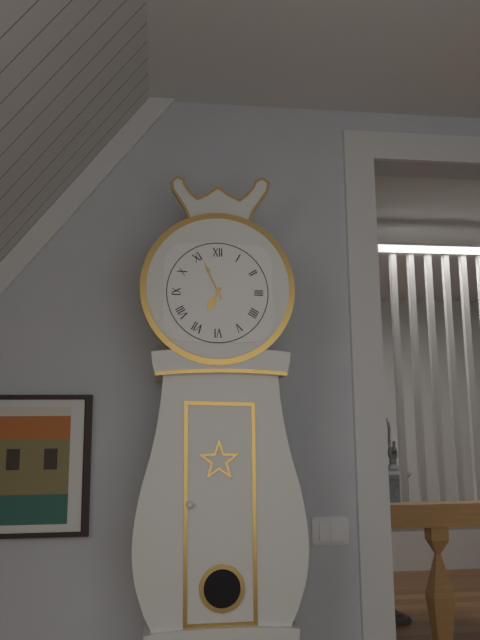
6 h 56 min
